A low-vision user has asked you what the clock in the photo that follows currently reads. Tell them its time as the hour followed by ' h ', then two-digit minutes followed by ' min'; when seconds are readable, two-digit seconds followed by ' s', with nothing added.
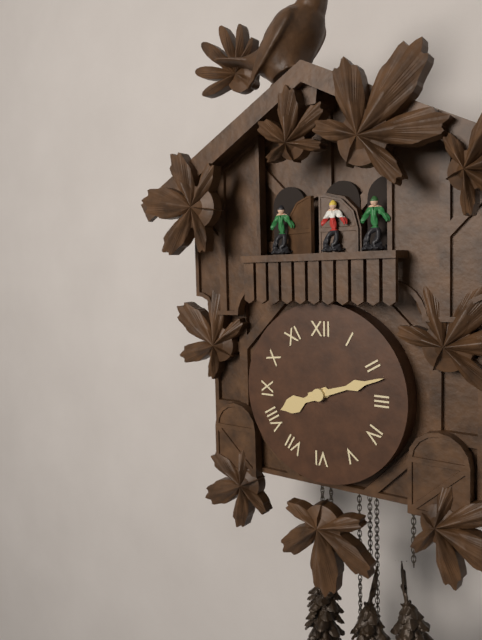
8 h 12 min
